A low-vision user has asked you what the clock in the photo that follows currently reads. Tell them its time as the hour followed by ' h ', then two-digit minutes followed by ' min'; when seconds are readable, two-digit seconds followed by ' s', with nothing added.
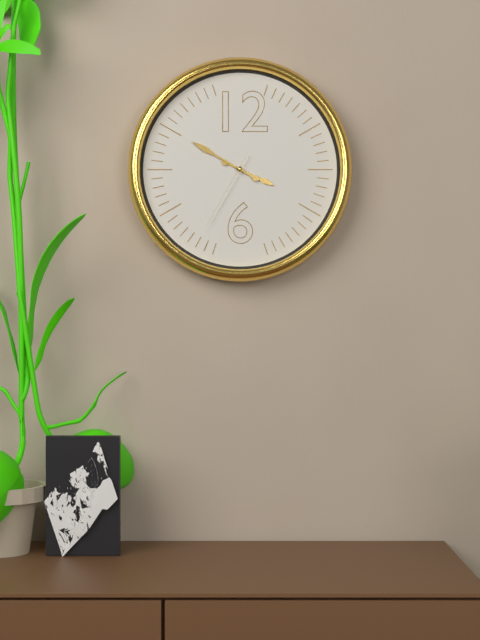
3 h 50 min 35 s
